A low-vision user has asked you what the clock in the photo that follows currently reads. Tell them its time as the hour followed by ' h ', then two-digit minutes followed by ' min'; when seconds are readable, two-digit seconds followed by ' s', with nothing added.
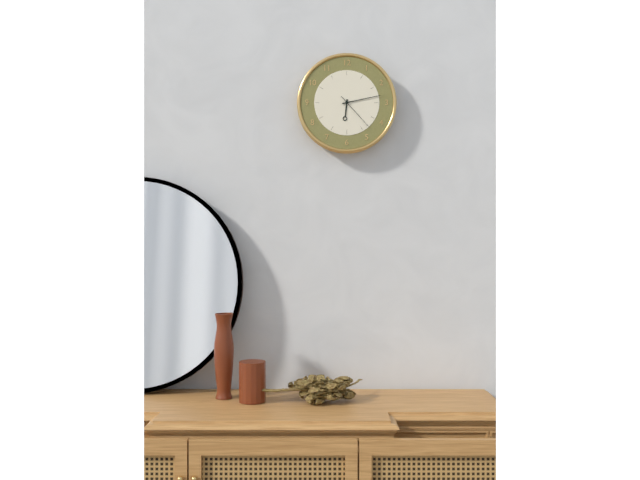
6 h 13 min
